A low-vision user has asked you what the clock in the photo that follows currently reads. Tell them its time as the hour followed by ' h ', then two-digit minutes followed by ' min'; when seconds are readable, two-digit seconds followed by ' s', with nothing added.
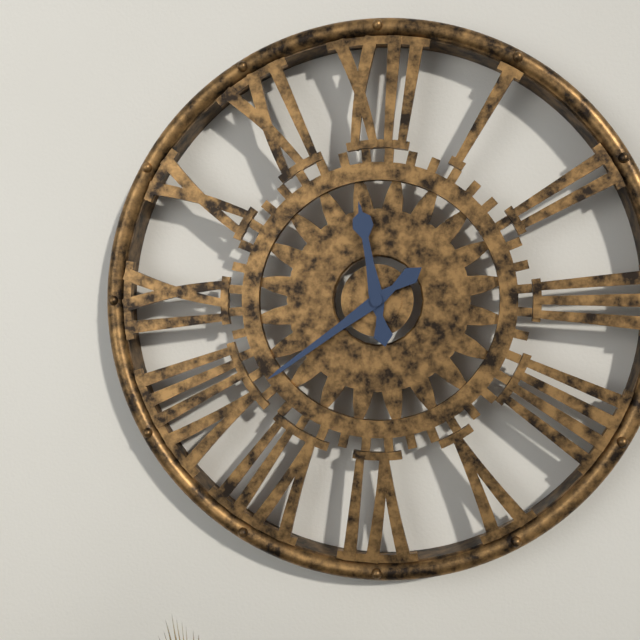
11 h 39 min
